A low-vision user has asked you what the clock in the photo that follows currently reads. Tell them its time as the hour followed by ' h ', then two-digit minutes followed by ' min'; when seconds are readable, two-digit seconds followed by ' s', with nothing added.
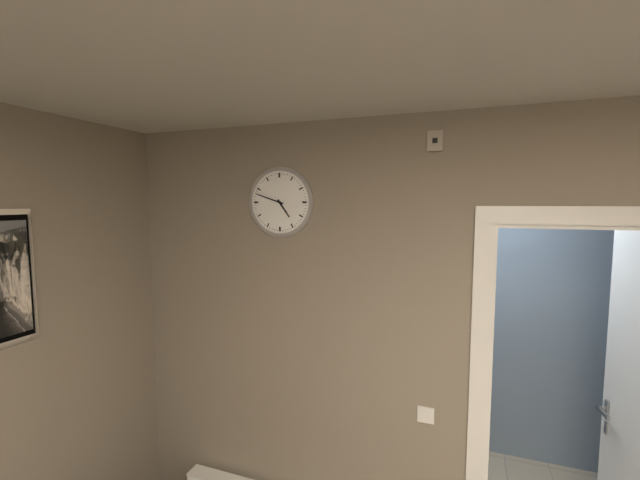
4 h 48 min
